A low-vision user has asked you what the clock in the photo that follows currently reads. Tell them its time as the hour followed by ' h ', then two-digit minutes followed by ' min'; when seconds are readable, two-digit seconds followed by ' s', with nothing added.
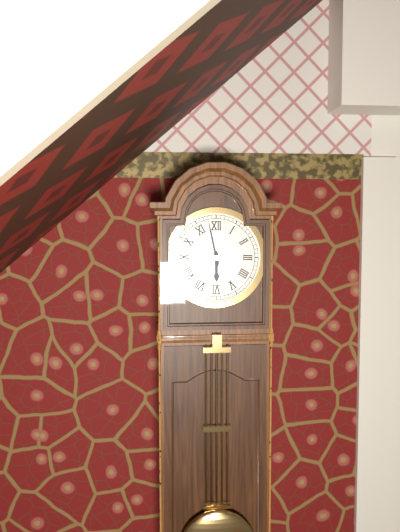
5 h 58 min
